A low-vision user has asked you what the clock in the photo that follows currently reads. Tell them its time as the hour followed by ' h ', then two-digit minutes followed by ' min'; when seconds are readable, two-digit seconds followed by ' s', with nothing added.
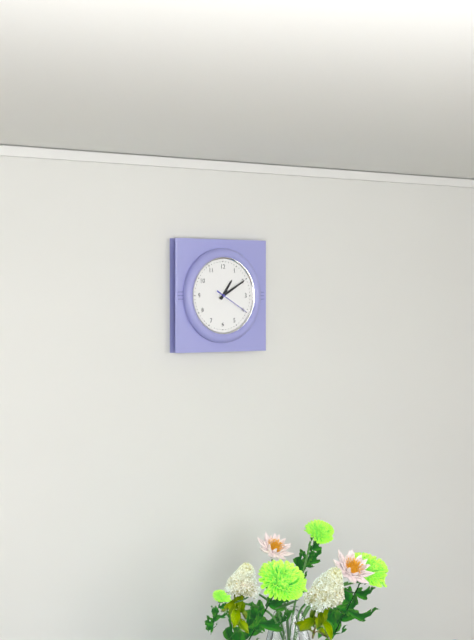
1 h 10 min
